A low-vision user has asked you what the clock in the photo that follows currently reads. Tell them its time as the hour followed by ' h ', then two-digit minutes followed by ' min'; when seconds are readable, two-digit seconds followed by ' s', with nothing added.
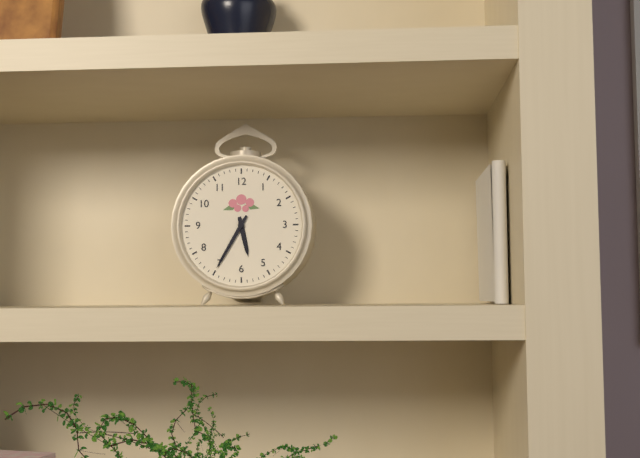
5 h 35 min
